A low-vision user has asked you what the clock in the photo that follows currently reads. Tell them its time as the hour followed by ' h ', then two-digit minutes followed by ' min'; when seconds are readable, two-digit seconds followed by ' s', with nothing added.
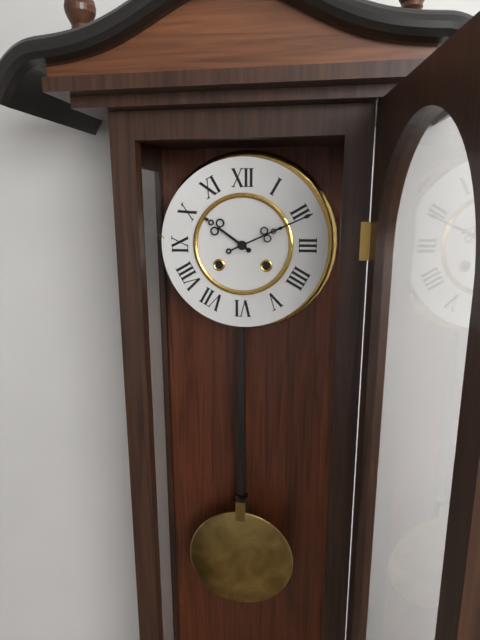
10 h 11 min
